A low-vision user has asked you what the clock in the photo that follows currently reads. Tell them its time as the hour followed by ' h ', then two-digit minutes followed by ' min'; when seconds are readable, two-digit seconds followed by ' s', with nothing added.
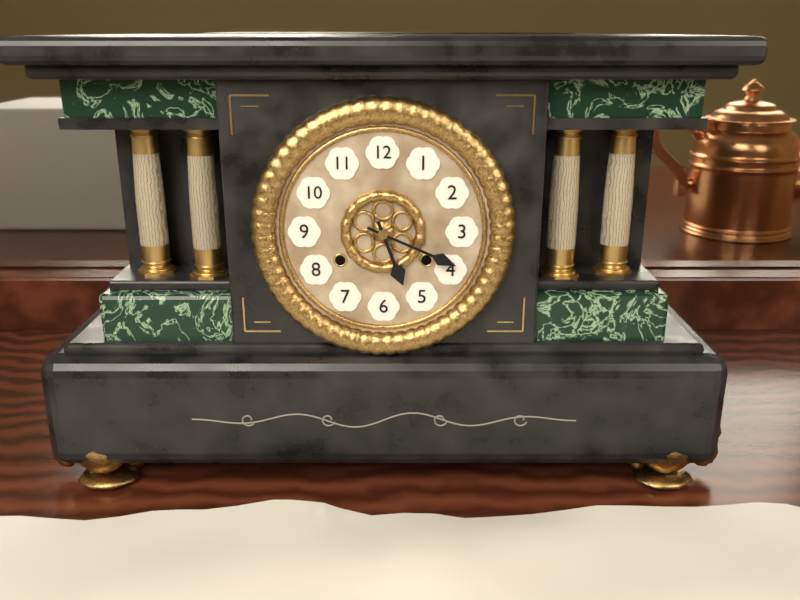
5 h 19 min
